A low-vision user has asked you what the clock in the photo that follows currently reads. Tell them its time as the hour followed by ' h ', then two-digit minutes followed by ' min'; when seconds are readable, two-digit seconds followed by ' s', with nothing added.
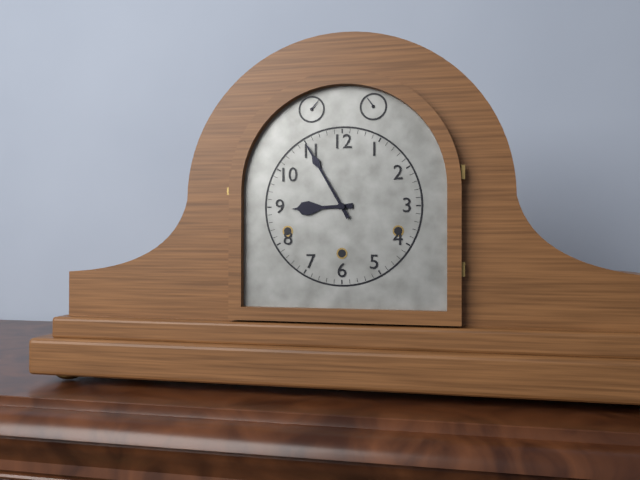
8 h 55 min
